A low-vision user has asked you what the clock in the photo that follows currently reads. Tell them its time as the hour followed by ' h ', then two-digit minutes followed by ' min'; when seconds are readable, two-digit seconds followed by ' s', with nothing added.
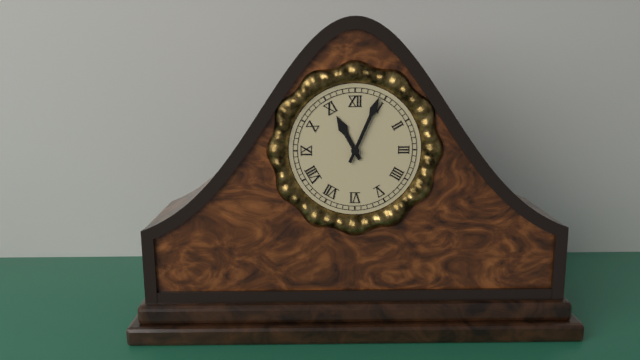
11 h 04 min
